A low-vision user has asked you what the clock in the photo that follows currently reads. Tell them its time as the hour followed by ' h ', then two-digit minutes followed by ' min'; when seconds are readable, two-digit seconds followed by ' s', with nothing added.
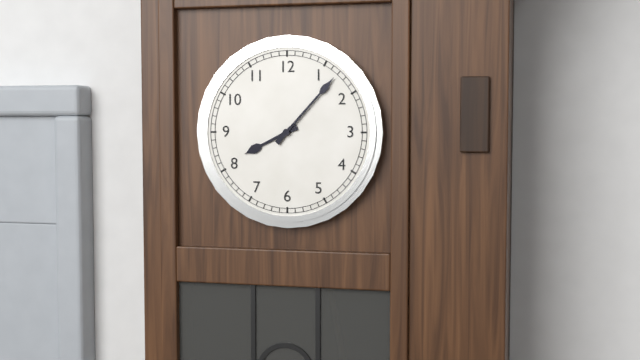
8 h 07 min
